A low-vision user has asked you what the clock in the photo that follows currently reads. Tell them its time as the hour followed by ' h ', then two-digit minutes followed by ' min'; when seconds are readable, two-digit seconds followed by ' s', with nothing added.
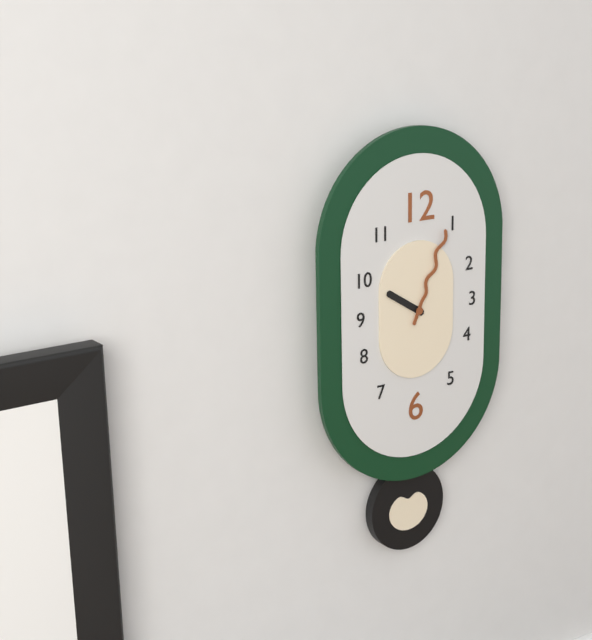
10 h 04 min
